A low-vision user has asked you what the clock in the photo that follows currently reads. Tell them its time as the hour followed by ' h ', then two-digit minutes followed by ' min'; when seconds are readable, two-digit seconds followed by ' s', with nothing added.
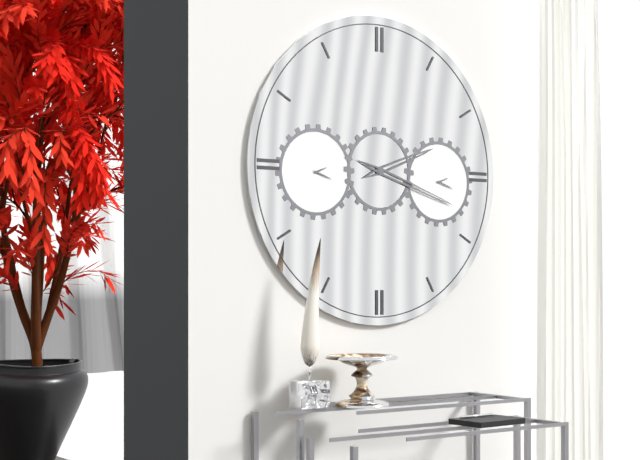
2 h 18 min
